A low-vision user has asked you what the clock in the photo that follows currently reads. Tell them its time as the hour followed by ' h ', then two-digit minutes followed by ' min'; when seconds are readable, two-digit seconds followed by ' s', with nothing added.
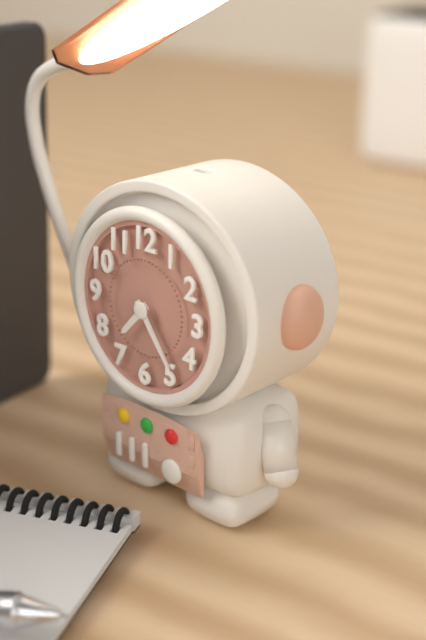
7 h 24 min
